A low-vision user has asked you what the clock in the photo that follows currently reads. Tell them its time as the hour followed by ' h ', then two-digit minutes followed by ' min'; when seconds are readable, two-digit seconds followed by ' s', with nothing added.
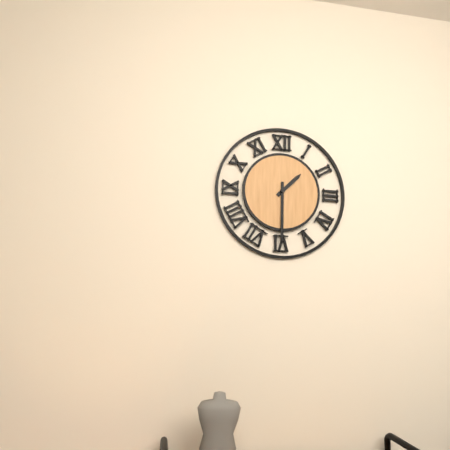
1 h 30 min
